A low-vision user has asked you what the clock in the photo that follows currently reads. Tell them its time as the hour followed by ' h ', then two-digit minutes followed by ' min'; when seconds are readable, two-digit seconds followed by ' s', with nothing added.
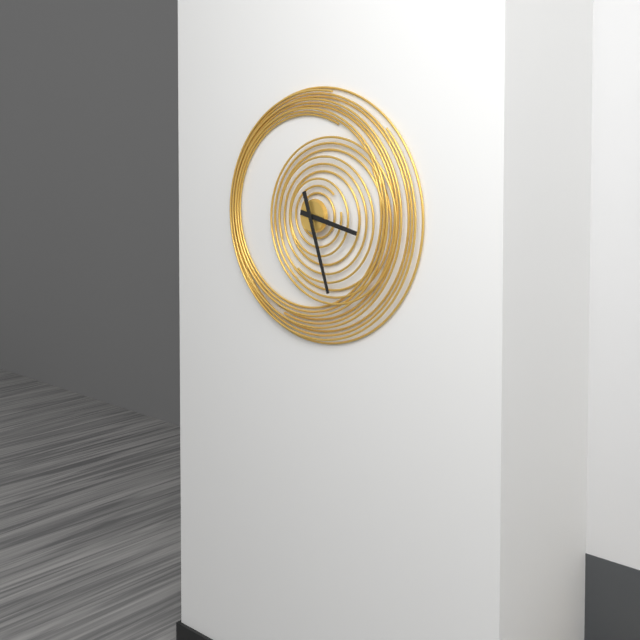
3 h 27 min
